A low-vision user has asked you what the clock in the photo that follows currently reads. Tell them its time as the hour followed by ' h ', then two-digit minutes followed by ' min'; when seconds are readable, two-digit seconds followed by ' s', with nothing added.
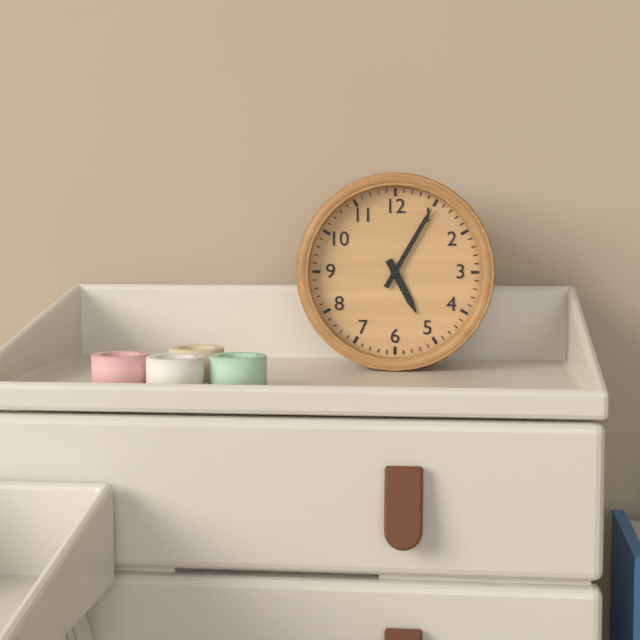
5 h 05 min
